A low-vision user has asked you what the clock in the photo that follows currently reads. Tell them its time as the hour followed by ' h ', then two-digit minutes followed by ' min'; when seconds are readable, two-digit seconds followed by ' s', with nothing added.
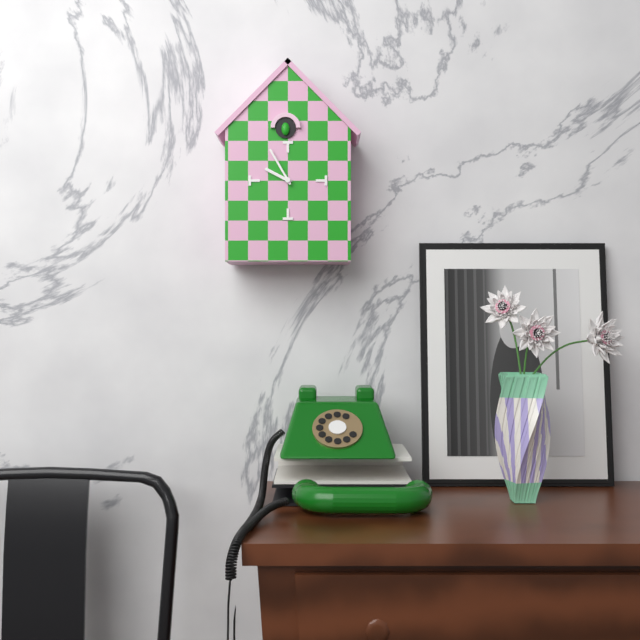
9 h 55 min
